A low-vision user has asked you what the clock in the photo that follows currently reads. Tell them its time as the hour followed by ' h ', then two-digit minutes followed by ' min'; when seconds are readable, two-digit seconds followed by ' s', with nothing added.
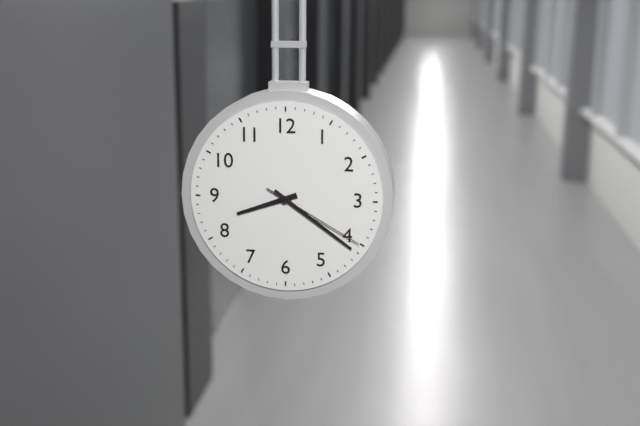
8 h 21 min 20 s
